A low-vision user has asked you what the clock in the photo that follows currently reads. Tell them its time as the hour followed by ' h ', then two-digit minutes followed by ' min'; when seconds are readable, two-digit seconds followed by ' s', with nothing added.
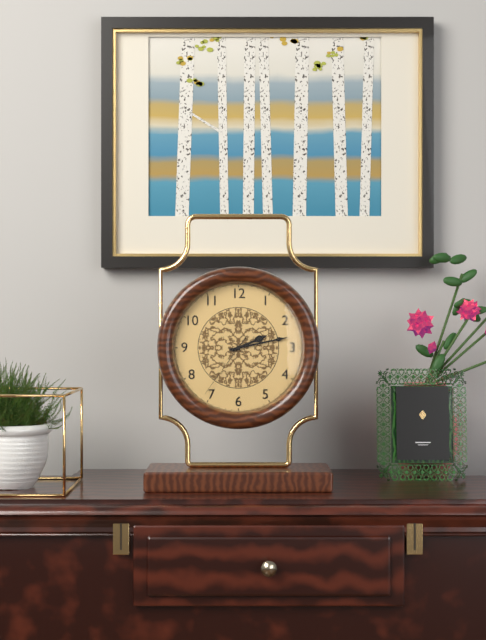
2 h 13 min 36 s
